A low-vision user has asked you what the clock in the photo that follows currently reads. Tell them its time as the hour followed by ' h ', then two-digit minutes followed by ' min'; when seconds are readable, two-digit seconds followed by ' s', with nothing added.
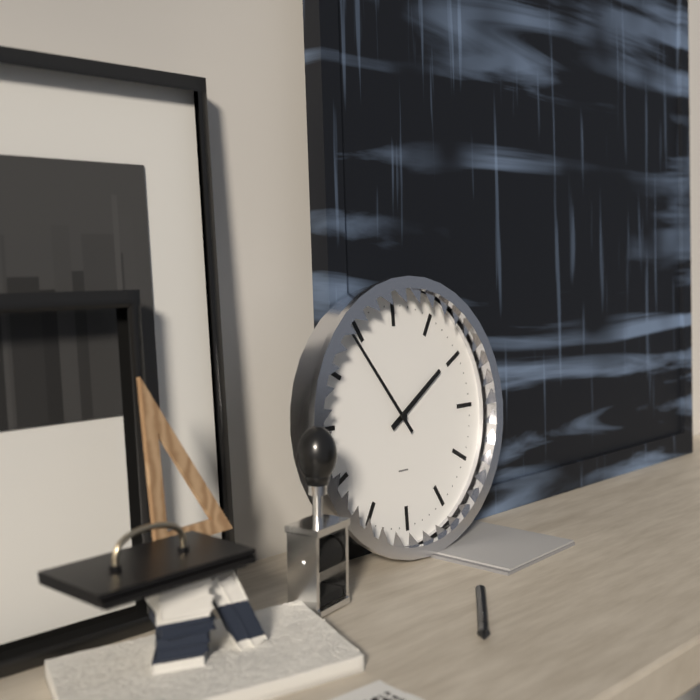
1 h 54 min
